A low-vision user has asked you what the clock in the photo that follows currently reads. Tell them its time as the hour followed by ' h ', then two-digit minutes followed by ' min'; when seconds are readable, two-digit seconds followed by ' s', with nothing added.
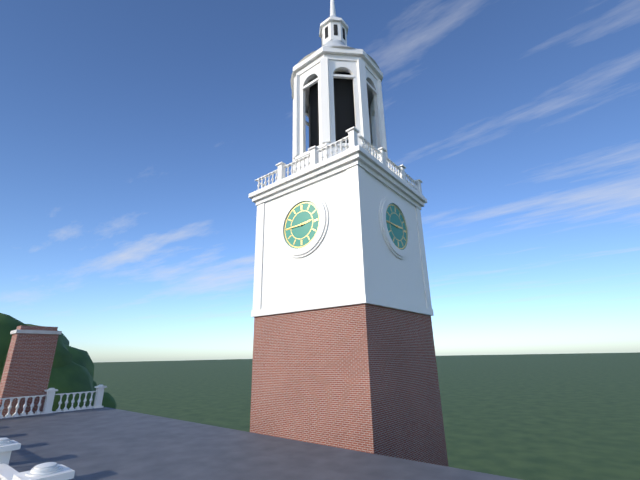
2 h 45 min
